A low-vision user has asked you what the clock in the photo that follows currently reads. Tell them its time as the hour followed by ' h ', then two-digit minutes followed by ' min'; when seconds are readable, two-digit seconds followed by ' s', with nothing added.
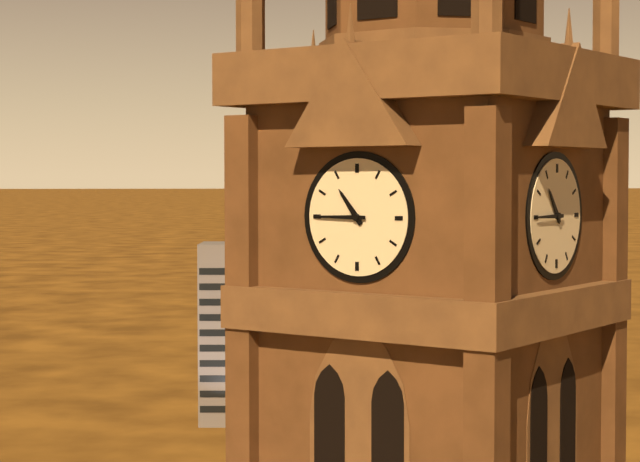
10 h 45 min
